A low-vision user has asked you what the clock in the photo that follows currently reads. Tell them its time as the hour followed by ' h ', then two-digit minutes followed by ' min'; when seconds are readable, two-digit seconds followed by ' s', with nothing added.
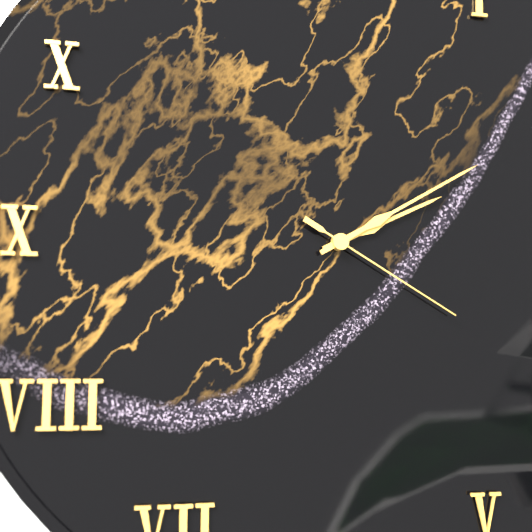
2 h 10 min 20 s
